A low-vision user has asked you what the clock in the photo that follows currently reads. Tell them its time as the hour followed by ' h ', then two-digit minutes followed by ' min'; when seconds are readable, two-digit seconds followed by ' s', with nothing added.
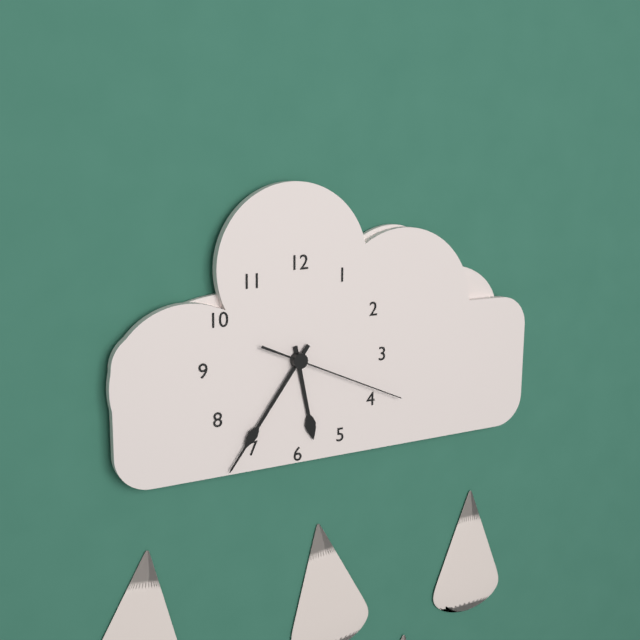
5 h 36 min 19 s
